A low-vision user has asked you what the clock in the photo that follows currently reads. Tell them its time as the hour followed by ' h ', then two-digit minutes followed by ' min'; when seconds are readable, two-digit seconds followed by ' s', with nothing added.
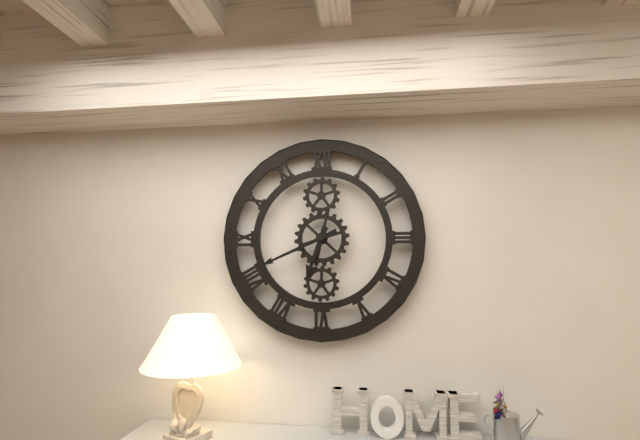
6 h 41 min
